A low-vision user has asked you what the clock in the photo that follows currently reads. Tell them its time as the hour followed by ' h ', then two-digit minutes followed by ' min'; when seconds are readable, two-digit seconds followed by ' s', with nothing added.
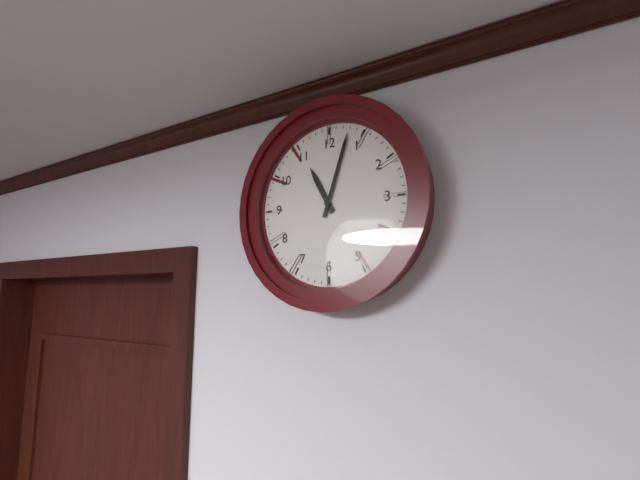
11 h 03 min
